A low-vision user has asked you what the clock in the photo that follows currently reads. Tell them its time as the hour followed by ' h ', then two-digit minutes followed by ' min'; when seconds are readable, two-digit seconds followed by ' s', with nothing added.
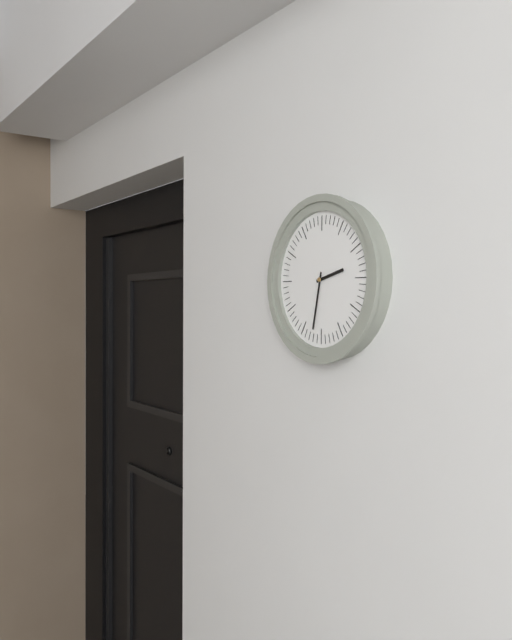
2 h 32 min
